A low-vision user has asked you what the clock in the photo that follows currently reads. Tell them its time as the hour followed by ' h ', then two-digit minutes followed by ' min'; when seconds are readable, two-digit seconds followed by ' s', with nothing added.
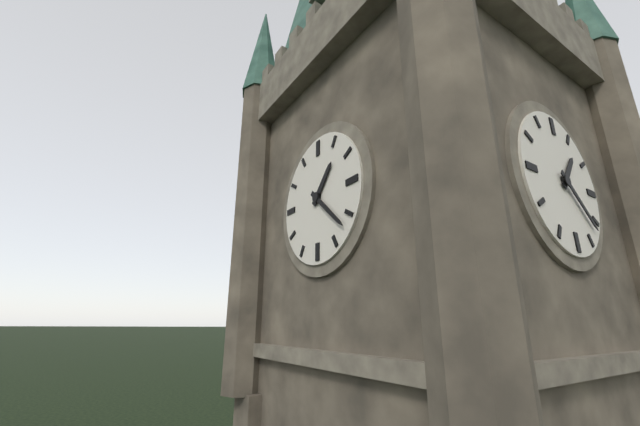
1 h 22 min
